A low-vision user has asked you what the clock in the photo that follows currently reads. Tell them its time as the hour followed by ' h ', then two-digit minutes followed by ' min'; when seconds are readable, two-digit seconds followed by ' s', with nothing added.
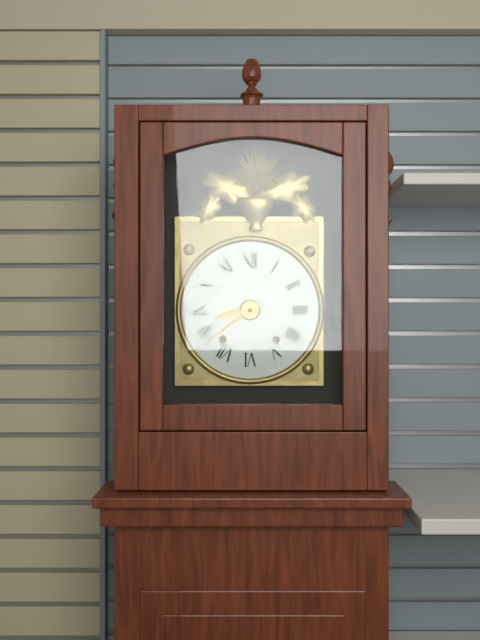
8 h 39 min
